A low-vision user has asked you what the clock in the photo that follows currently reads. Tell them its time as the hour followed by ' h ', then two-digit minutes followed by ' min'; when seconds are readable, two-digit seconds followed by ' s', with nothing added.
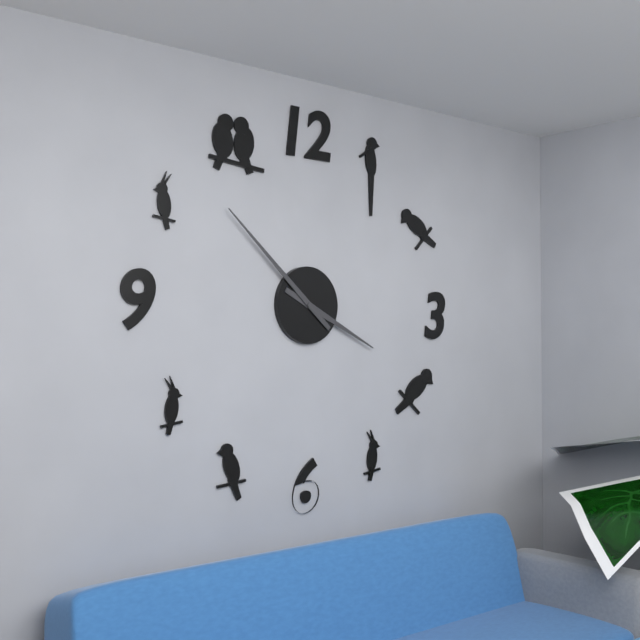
3 h 52 min
